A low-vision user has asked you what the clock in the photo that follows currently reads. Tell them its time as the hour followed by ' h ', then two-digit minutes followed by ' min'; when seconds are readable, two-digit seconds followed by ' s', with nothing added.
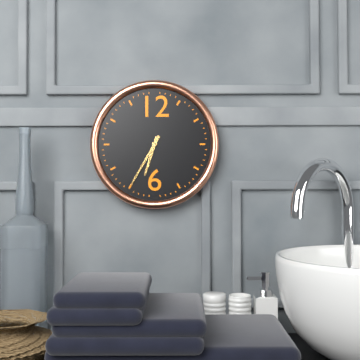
6 h 35 min
